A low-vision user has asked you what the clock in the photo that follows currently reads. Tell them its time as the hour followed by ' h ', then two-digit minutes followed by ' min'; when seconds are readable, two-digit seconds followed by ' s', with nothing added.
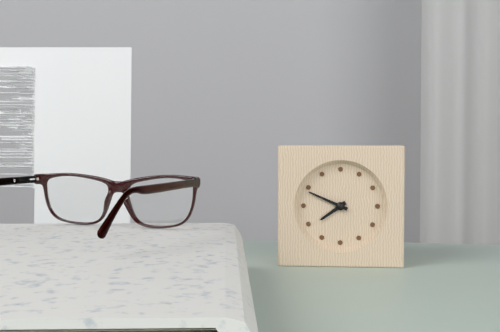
7 h 49 min
